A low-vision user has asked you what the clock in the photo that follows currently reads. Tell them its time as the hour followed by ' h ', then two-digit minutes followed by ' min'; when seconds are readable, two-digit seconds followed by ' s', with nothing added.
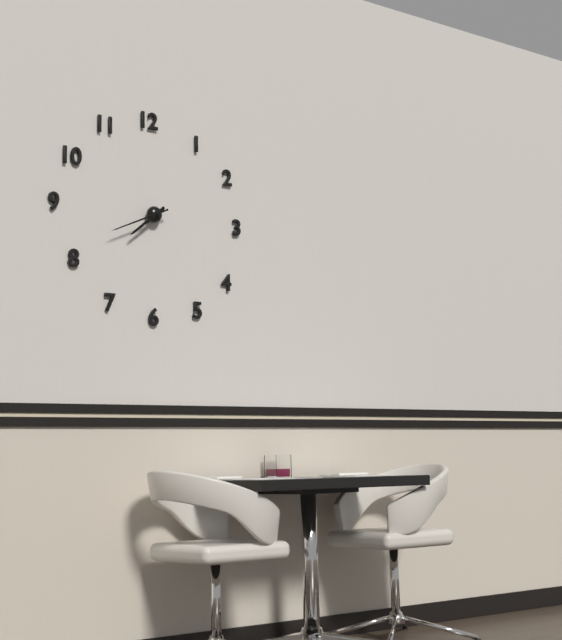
7 h 41 min
